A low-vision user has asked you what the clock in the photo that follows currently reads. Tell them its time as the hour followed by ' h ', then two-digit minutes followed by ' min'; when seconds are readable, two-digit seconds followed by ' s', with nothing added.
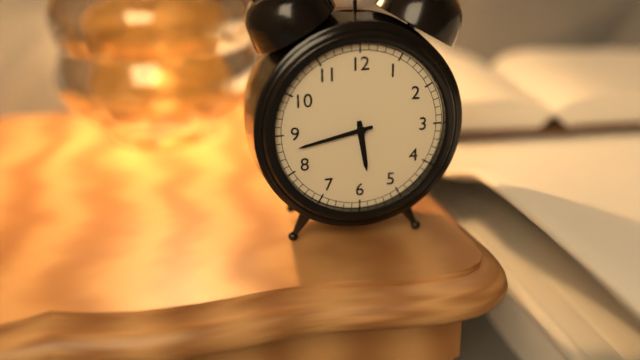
5 h 43 min
